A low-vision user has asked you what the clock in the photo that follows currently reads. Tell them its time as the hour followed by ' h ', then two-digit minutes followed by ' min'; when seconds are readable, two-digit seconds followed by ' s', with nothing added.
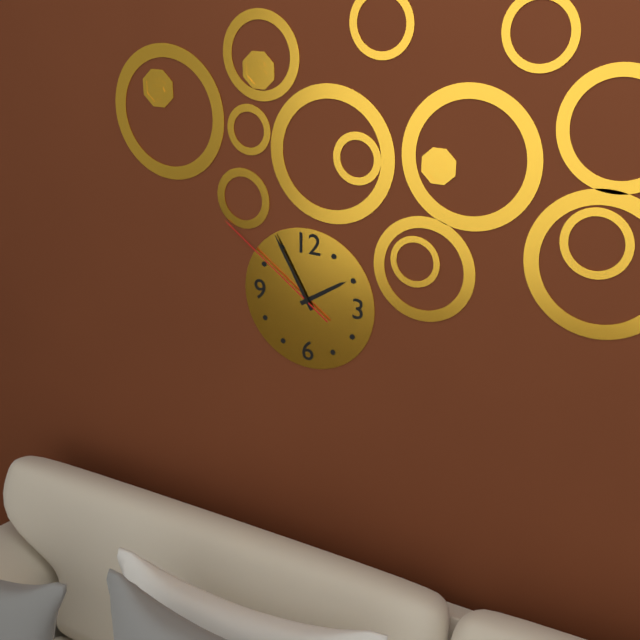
1 h 55 min 51 s
